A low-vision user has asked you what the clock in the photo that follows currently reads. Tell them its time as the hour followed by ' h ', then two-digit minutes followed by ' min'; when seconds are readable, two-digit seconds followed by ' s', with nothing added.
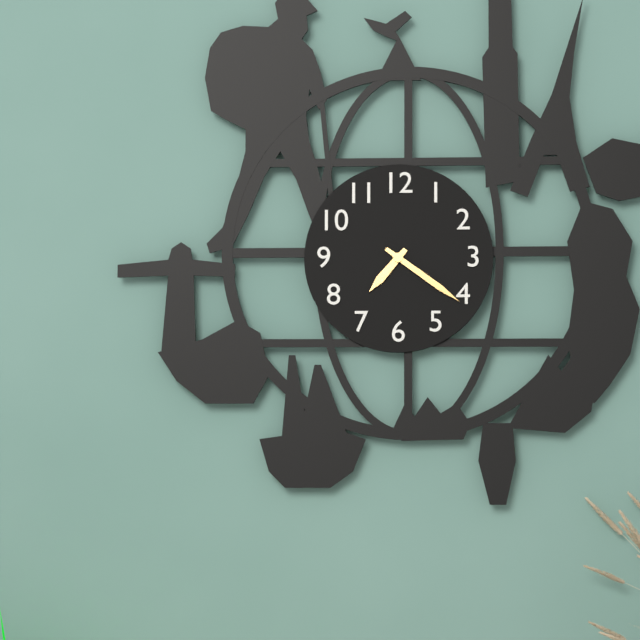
7 h 21 min
